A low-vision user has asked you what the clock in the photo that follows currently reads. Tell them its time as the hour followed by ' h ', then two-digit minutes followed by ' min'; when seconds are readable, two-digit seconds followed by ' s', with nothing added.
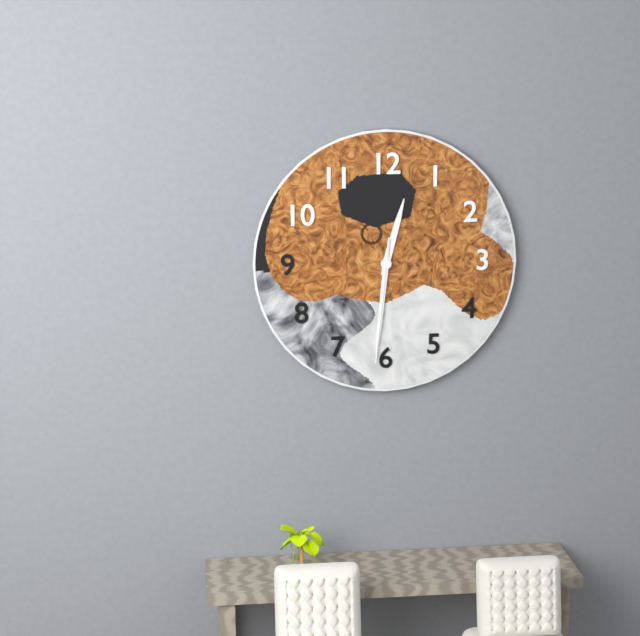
12 h 31 min 31 s
